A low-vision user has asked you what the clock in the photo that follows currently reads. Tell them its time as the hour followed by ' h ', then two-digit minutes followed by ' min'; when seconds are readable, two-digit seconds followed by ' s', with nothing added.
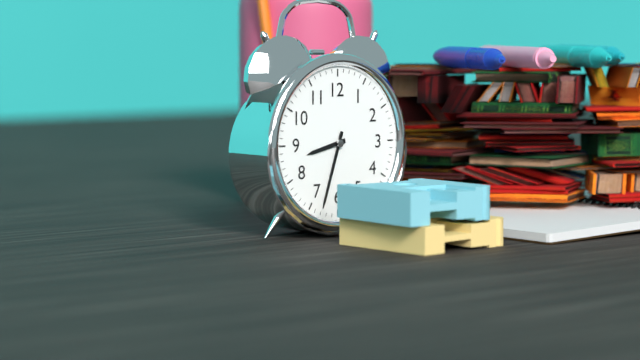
8 h 33 min
